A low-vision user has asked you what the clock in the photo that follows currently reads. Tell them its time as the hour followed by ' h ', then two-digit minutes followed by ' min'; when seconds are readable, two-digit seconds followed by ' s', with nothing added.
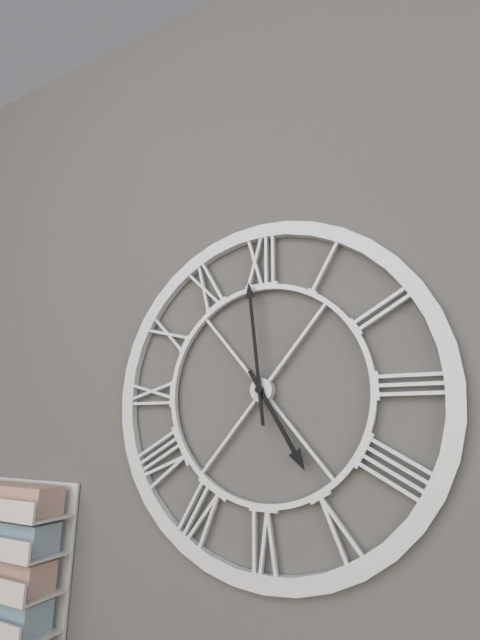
4 h 59 min
